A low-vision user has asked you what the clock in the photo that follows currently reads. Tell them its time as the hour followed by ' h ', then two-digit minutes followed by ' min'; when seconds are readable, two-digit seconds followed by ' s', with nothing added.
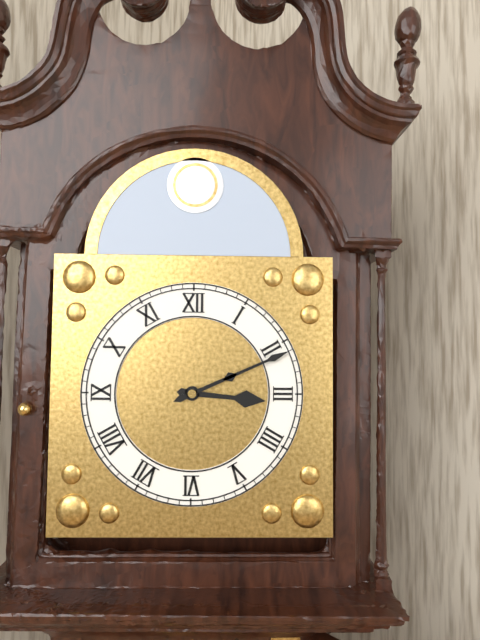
3 h 11 min
